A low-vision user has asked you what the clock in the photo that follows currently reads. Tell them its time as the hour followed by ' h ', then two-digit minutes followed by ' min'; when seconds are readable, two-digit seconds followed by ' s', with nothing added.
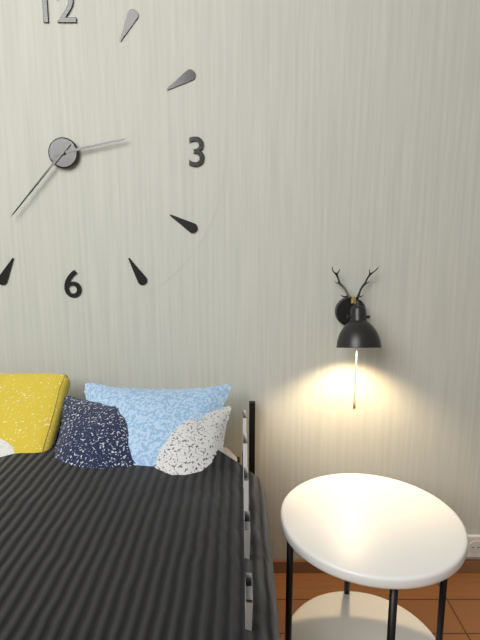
2 h 37 min
